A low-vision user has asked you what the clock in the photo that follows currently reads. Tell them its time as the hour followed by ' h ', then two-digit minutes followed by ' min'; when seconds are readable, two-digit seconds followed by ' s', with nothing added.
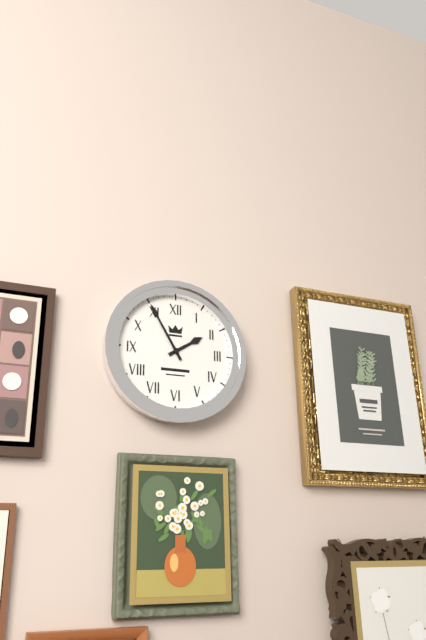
1 h 55 min
